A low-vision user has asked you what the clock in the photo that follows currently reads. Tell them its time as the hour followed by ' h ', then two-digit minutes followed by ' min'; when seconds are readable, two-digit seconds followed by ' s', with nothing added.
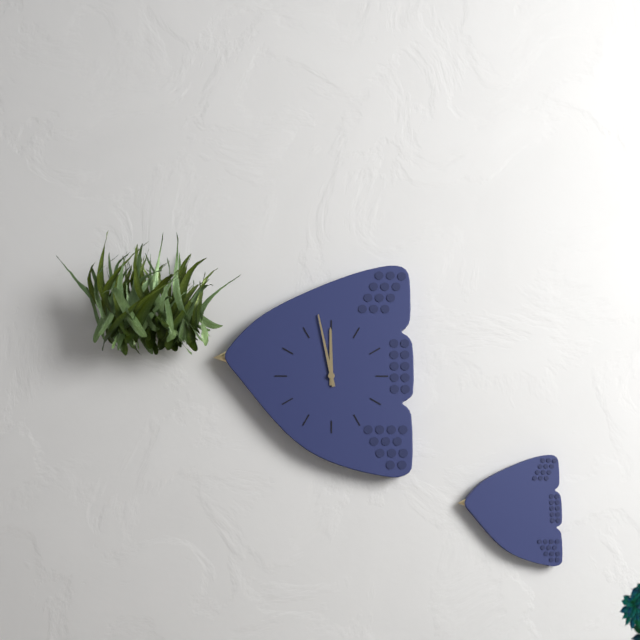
11 h 58 min
